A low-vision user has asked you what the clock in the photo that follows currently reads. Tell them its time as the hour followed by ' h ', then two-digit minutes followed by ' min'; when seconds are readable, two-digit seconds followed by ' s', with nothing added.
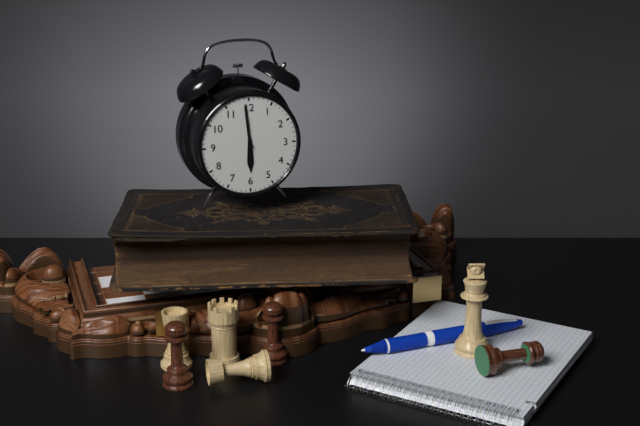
5 h 59 min
